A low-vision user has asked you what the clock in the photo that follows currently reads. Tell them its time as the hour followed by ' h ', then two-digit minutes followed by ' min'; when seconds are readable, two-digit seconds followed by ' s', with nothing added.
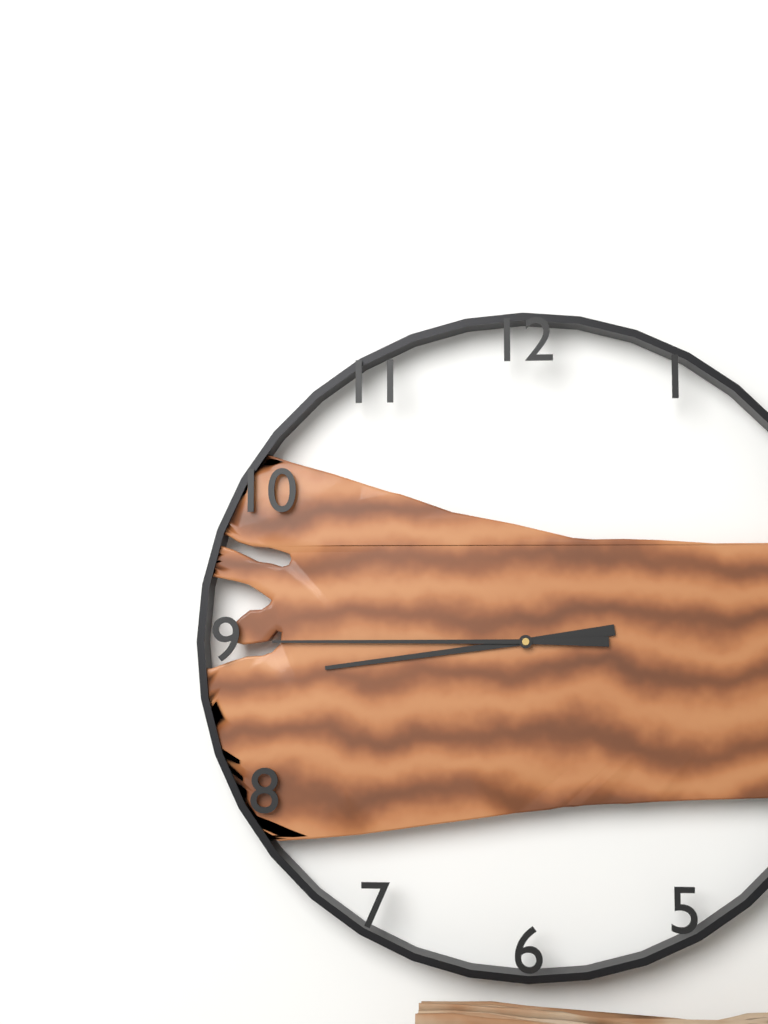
8 h 45 min
